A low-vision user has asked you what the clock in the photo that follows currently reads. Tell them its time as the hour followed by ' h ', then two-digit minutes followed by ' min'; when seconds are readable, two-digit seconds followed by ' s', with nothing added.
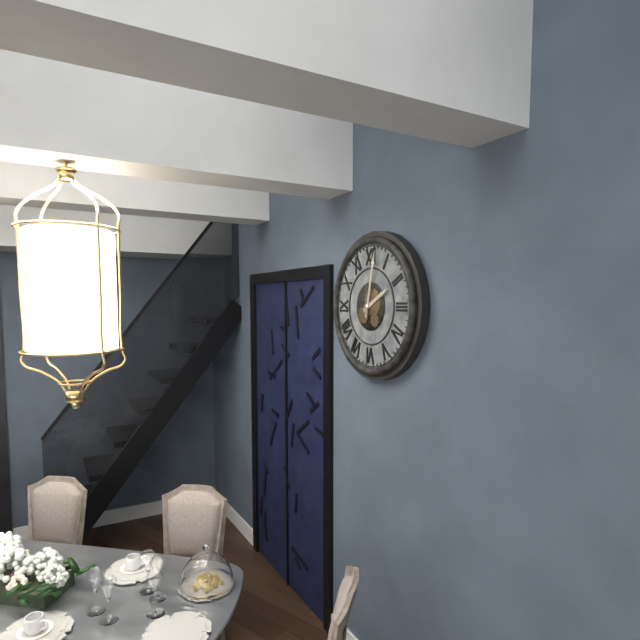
2 h 02 min
